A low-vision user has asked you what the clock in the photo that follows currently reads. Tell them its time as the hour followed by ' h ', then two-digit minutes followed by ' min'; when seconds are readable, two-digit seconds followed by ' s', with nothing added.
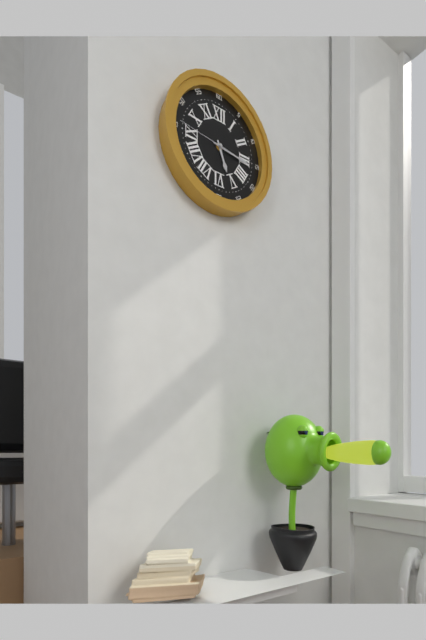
5 h 16 min 46 s
